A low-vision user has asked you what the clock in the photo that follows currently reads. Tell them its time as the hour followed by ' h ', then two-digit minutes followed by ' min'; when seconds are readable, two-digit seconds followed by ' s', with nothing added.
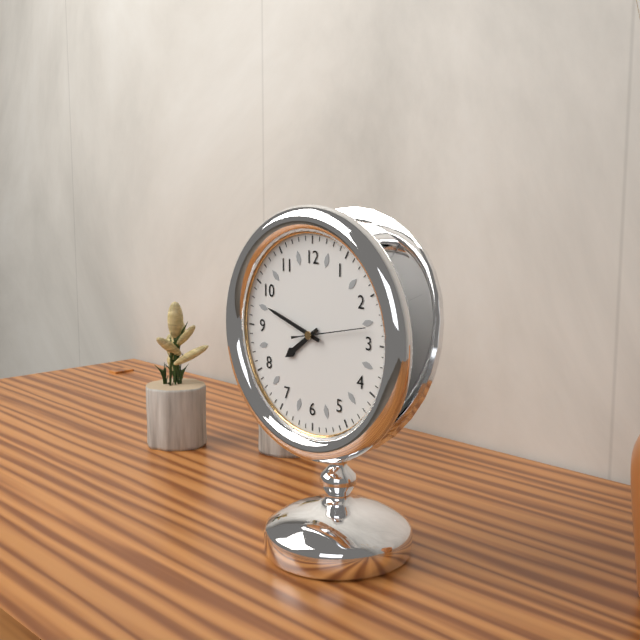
7 h 48 min 13 s
